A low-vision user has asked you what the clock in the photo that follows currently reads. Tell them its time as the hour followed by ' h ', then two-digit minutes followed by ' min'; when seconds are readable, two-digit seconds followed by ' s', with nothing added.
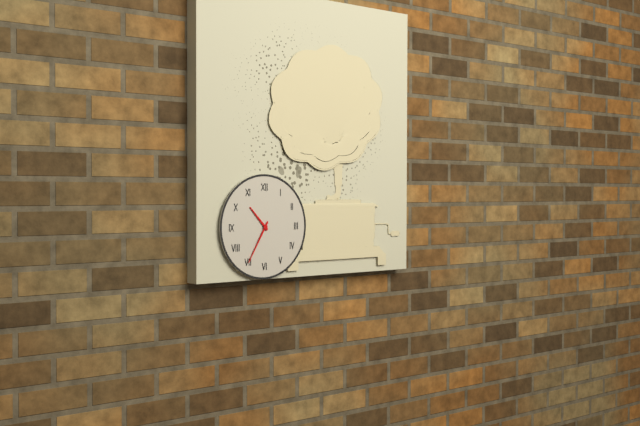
10 h 35 min
